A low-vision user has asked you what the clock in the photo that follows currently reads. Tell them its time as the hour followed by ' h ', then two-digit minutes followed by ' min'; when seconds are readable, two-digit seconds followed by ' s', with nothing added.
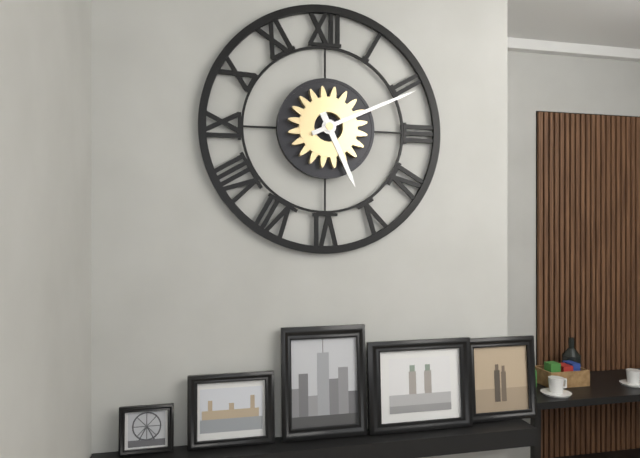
5 h 11 min
